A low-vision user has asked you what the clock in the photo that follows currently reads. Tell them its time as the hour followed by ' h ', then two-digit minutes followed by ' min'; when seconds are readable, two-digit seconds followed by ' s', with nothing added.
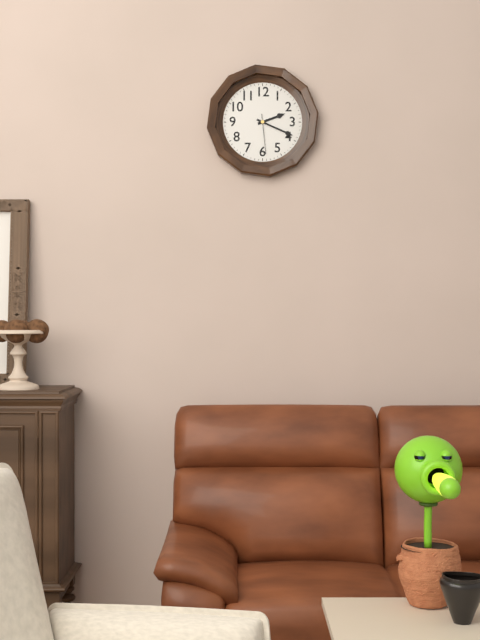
2 h 19 min
